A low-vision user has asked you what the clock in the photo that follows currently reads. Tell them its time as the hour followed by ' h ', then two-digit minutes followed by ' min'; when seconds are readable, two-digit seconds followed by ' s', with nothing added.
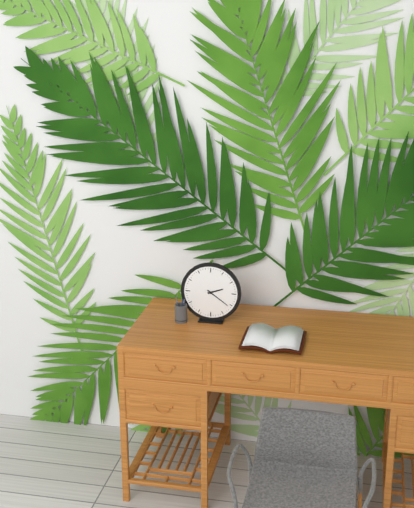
2 h 21 min
